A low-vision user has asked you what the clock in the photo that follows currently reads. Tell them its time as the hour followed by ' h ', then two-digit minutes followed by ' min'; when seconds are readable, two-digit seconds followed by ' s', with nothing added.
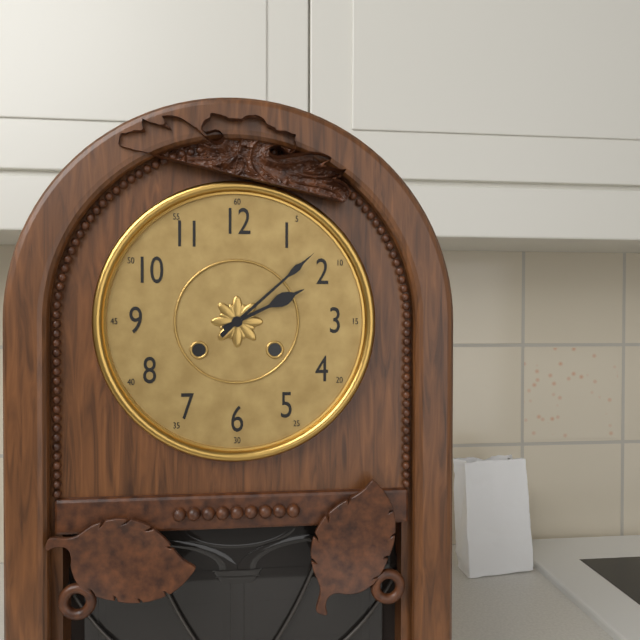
2 h 08 min
